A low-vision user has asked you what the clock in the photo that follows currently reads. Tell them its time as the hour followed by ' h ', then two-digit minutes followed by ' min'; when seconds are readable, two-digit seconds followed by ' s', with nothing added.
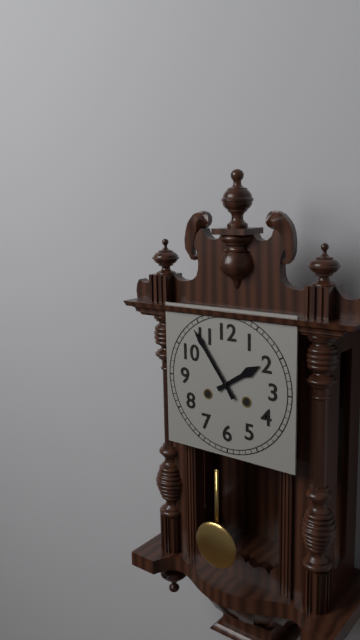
1 h 54 min
